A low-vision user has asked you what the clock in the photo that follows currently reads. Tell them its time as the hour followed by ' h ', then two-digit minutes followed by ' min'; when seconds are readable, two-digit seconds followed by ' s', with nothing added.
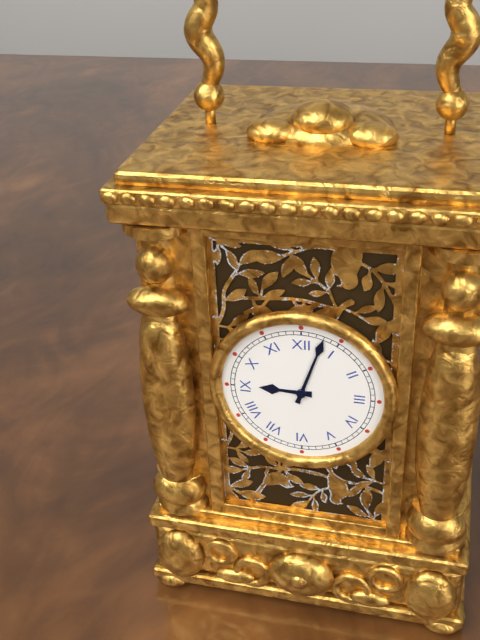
9 h 03 min
